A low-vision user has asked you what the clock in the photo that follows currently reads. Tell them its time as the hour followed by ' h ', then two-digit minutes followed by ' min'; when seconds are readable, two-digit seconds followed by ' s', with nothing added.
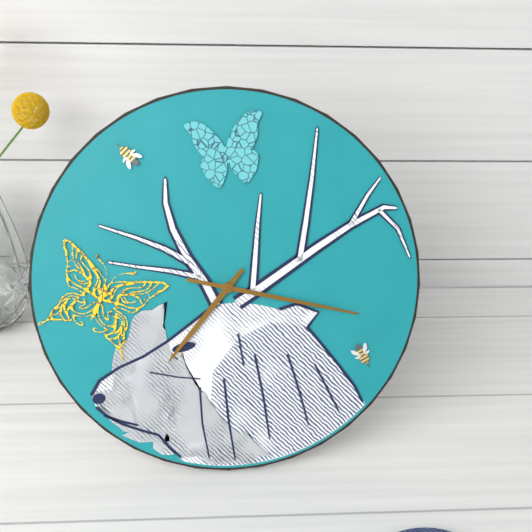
7 h 17 min
